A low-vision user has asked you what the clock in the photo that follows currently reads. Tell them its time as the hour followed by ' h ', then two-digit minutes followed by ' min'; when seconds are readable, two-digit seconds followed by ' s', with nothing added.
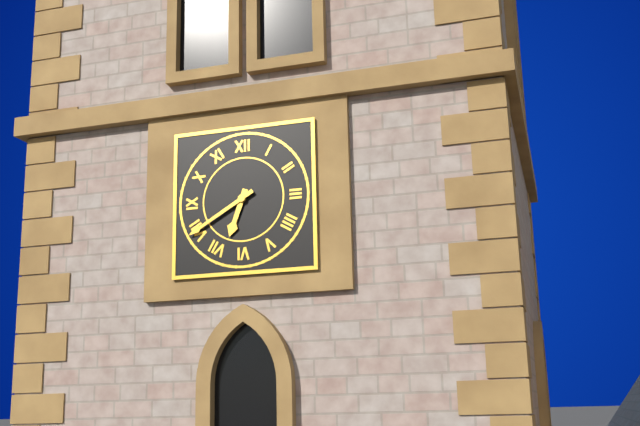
6 h 40 min
